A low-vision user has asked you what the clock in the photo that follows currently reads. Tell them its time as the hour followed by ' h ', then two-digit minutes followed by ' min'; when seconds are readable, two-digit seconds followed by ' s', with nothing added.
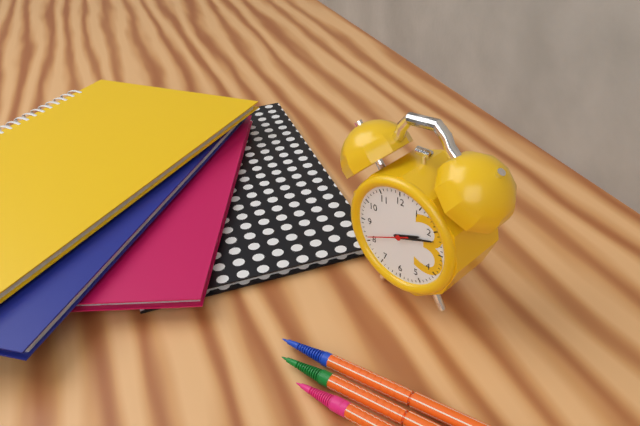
2 h 12 min
